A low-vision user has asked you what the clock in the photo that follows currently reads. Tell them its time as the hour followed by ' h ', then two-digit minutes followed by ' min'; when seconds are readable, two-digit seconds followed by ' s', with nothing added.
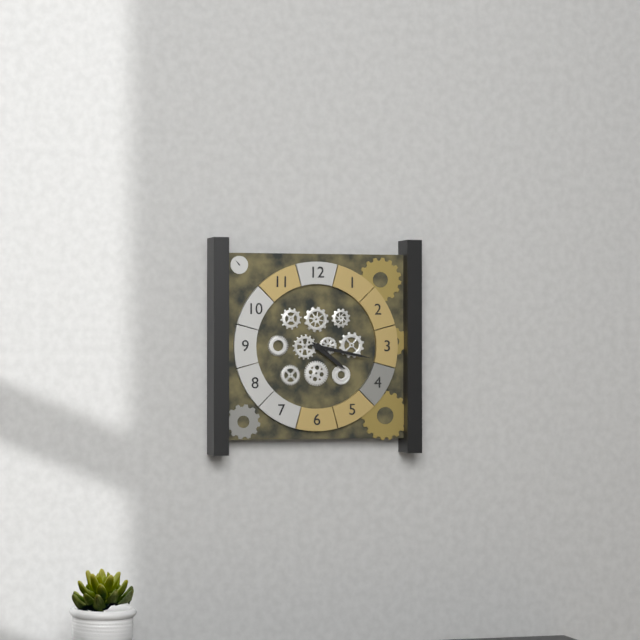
4 h 17 min
